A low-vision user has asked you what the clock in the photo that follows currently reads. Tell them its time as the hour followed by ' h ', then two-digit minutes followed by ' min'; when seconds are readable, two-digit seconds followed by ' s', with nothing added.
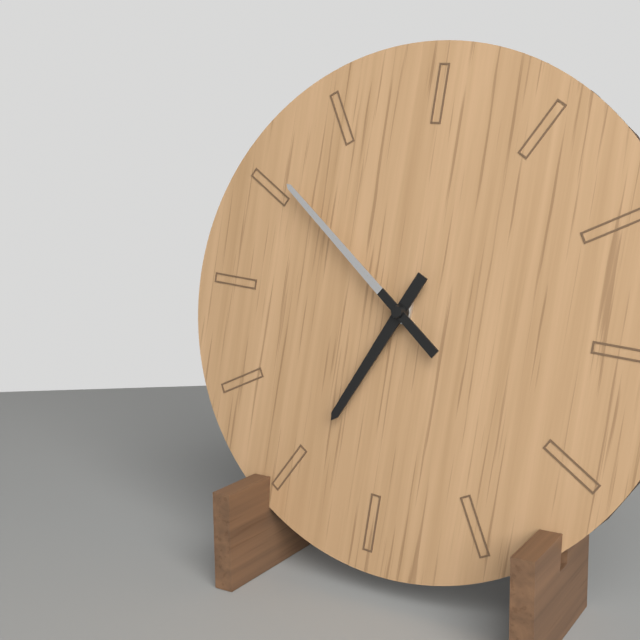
6 h 51 min
